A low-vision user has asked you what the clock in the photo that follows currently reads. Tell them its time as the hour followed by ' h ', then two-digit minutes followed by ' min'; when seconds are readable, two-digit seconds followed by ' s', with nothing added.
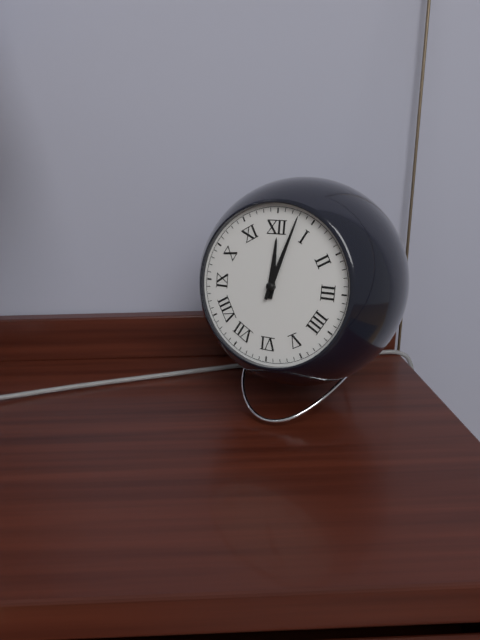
12 h 03 min
